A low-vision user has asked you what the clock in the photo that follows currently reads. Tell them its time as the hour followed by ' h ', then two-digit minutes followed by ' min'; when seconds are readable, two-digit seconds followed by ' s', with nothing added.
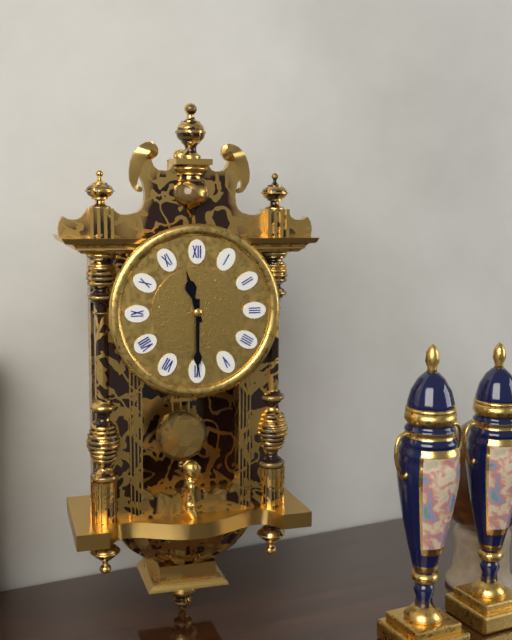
11 h 30 min
